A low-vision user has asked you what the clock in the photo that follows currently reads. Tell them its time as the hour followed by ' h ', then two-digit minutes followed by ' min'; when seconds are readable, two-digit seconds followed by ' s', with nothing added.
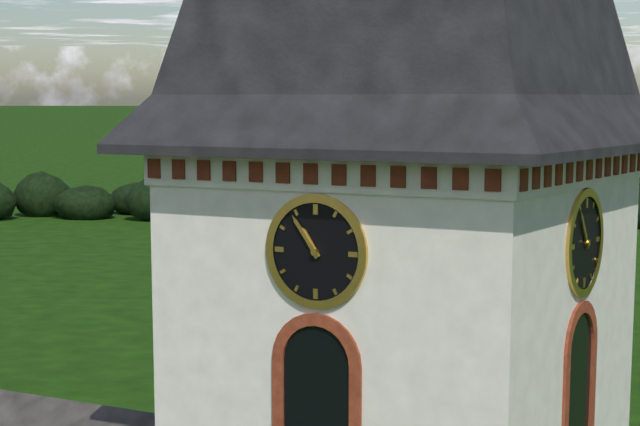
10 h 54 min
